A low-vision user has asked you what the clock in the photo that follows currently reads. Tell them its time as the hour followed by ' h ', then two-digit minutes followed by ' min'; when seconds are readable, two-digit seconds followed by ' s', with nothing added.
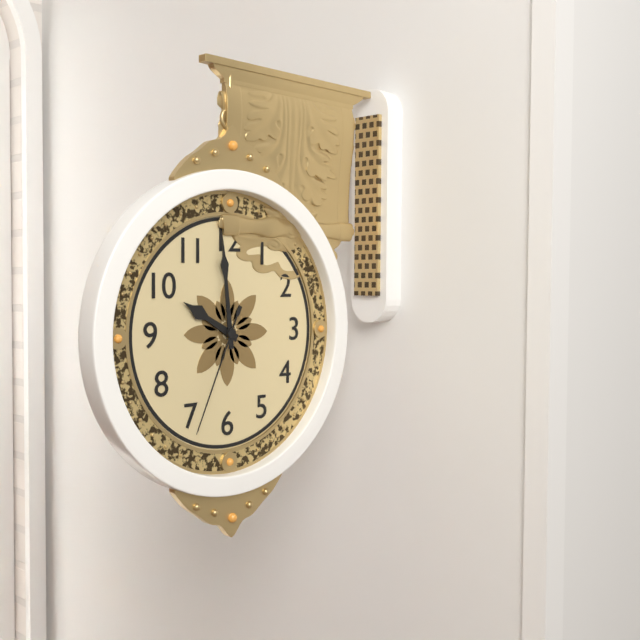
9 h 59 min 34 s
